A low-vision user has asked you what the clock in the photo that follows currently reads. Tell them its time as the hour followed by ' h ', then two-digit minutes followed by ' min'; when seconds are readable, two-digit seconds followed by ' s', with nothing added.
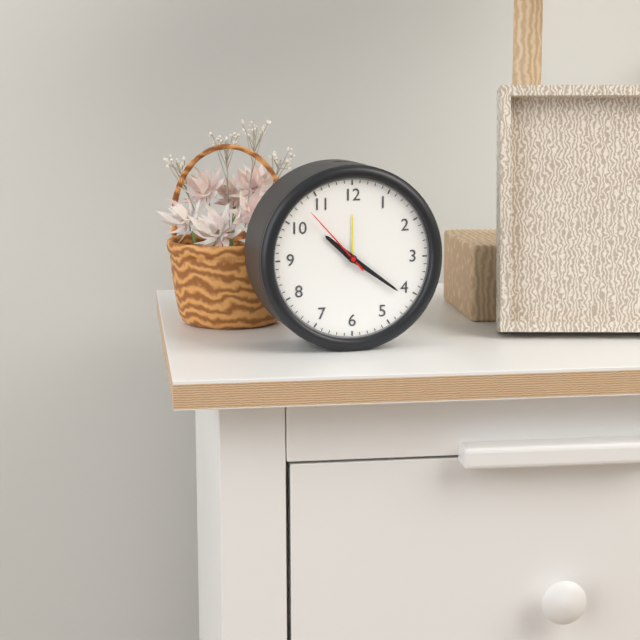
10 h 21 min 53 s
